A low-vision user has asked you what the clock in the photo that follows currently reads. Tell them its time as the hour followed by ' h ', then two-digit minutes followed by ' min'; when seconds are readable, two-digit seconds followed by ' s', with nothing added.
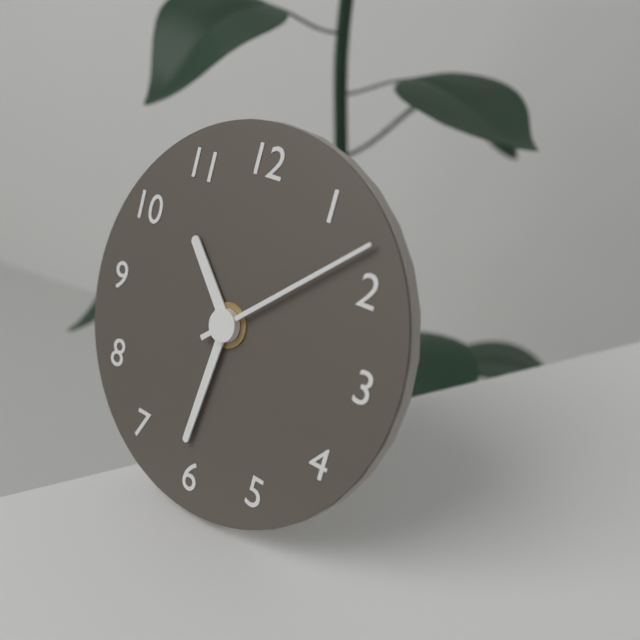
10 h 31 min 08 s
